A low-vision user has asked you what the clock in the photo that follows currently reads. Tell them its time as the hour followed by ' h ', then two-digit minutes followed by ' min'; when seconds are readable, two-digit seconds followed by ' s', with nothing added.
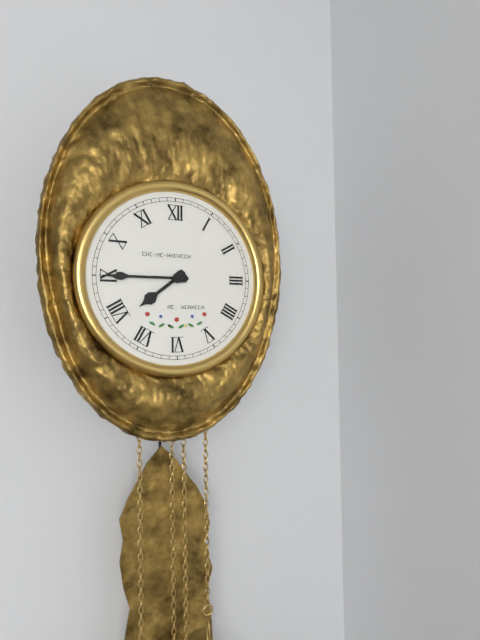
7 h 45 min
